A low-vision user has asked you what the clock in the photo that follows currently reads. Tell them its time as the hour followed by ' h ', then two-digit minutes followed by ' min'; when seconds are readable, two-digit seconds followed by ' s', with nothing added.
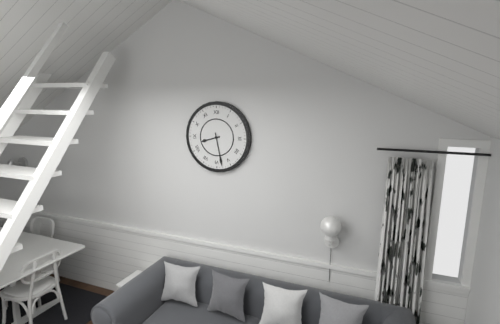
8 h 28 min
